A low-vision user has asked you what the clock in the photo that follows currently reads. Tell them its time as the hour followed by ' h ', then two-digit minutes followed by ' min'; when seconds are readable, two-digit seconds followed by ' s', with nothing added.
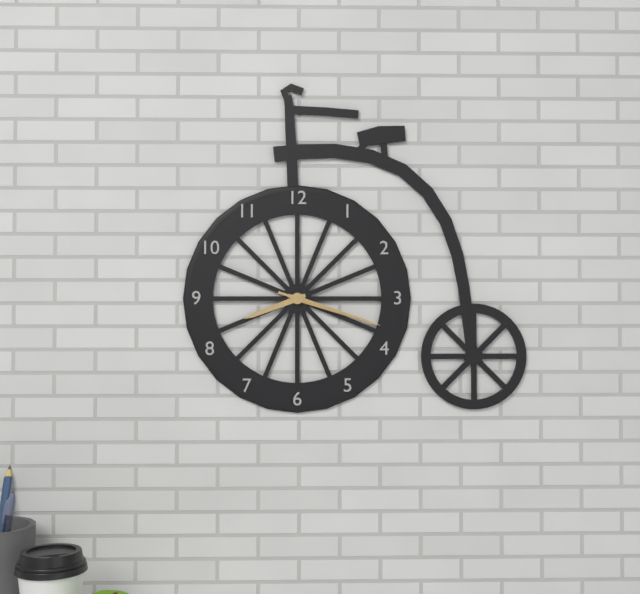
8 h 18 min 18 s
